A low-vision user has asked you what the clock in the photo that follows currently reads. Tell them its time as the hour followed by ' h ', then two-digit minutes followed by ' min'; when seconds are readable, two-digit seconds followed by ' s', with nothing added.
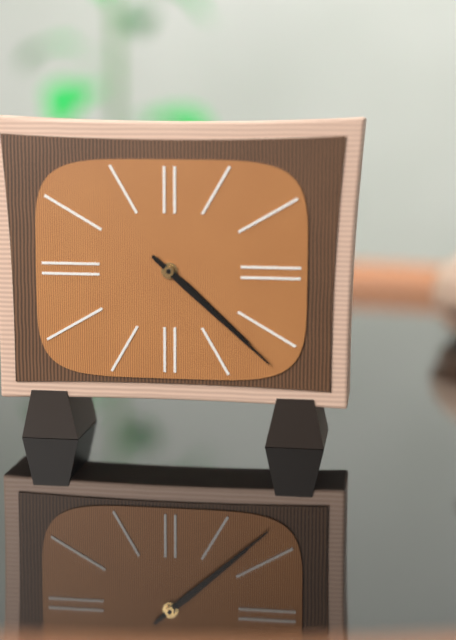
4 h 22 min
